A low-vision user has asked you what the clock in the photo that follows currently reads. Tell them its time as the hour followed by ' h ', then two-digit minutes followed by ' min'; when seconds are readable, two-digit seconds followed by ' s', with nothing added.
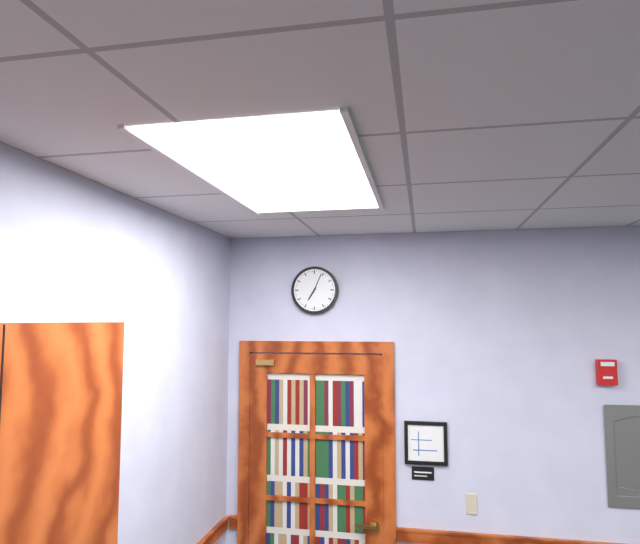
7 h 04 min
